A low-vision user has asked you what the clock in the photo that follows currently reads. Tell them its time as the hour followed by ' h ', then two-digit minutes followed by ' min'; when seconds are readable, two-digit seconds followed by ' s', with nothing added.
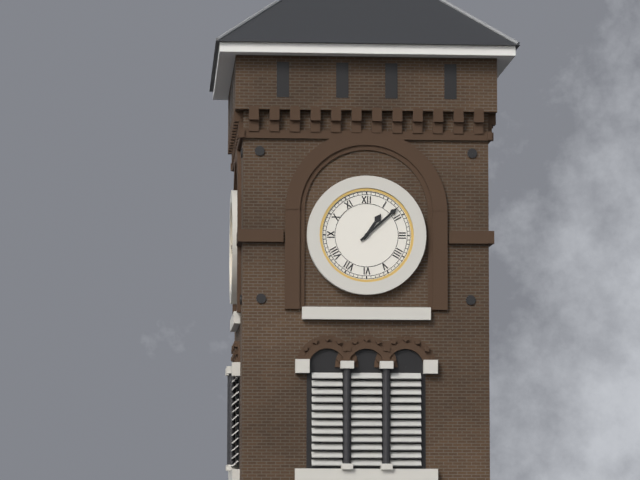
1 h 08 min
